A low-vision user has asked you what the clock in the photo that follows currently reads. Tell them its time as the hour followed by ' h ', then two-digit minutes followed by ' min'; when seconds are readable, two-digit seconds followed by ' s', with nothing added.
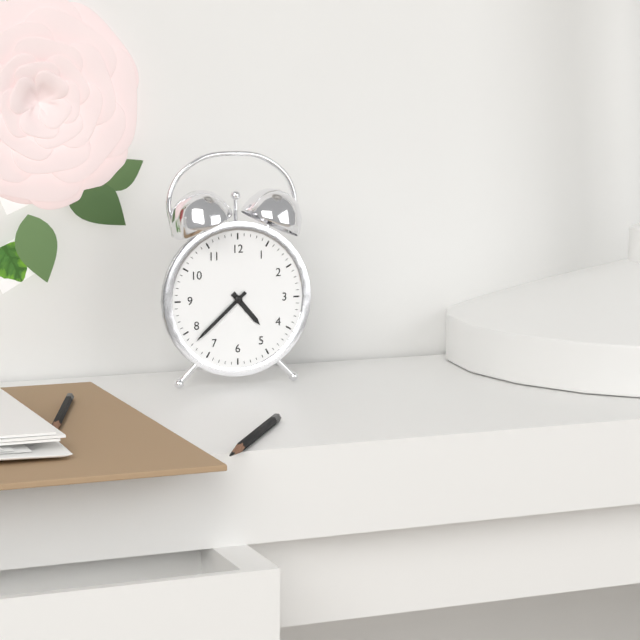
4 h 38 min
